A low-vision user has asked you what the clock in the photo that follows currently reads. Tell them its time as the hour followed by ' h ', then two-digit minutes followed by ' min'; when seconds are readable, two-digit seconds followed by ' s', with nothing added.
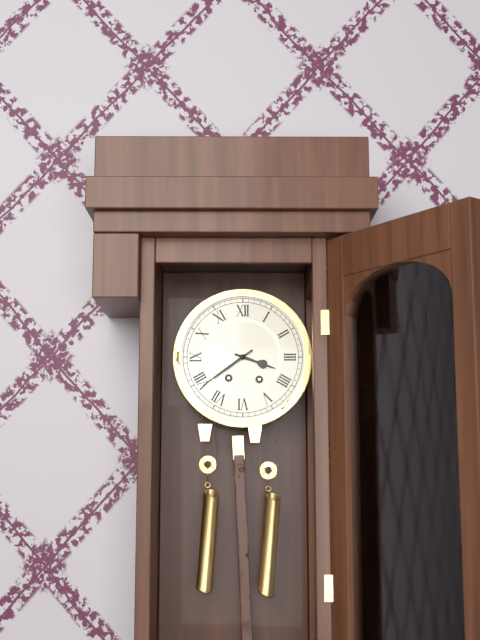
3 h 39 min
